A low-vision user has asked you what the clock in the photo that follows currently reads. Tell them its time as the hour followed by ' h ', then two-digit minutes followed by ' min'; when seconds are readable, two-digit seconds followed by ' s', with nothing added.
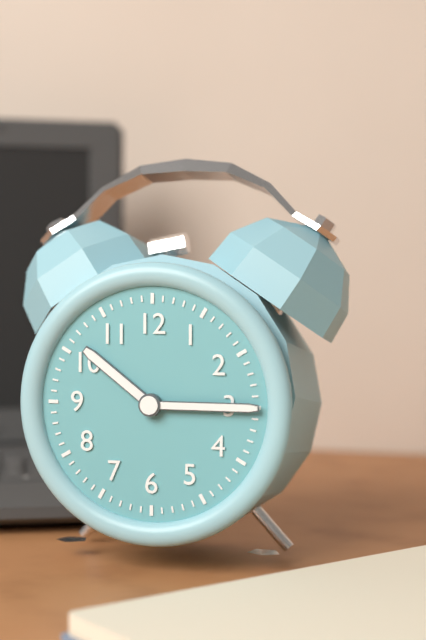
10 h 15 min
